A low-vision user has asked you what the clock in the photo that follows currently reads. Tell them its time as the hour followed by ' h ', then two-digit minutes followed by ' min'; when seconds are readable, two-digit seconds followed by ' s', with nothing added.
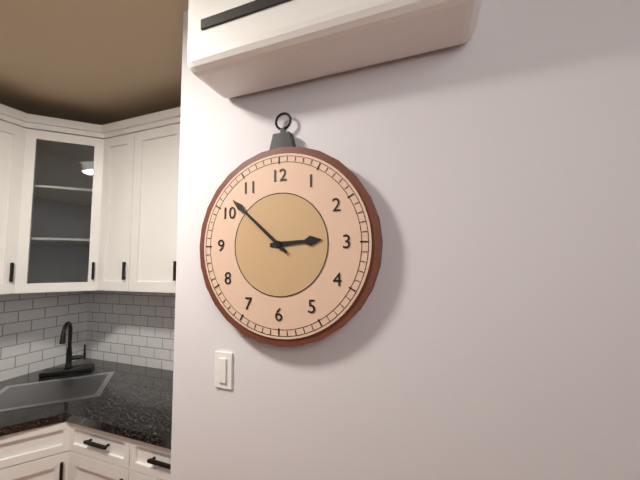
2 h 52 min
